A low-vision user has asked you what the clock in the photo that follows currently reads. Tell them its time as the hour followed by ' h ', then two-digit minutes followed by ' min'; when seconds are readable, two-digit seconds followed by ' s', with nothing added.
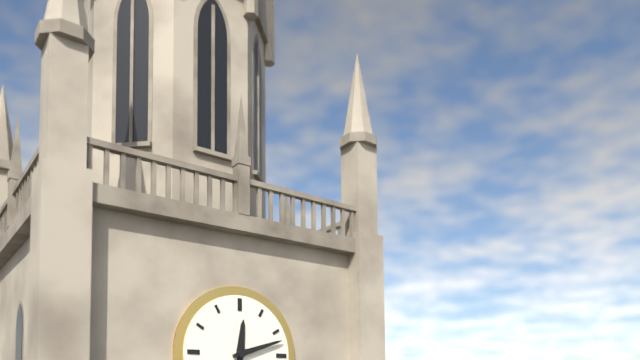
12 h 12 min
